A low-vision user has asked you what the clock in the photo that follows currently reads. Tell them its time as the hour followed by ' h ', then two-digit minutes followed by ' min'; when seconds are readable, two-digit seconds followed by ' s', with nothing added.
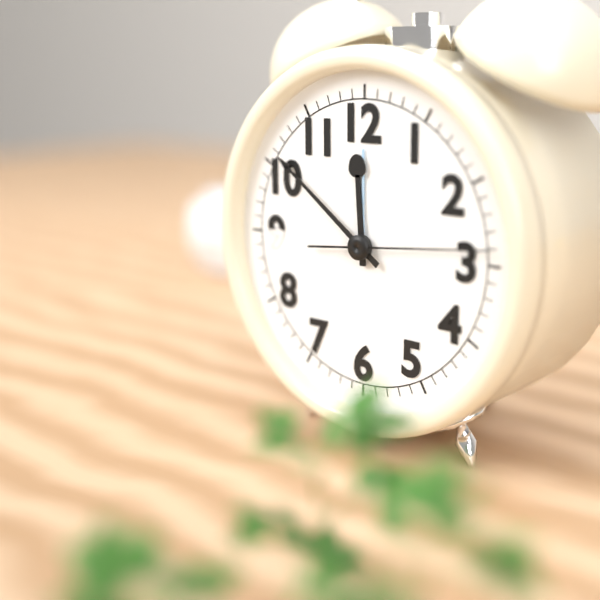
11 h 51 min 14 s
